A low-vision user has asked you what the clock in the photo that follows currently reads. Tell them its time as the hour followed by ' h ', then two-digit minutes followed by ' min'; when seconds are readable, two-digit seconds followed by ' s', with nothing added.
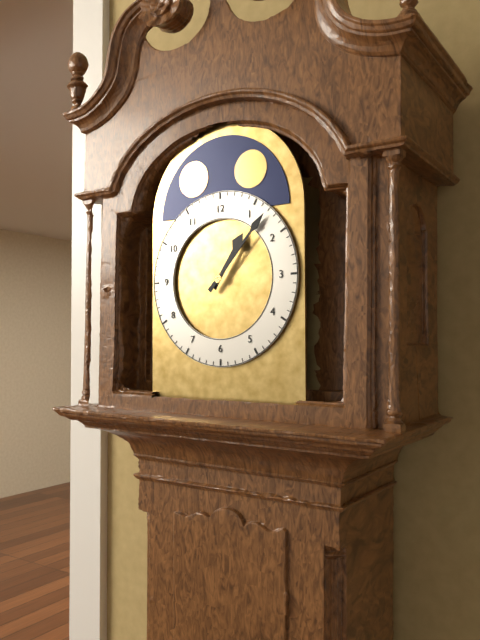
1 h 07 min
